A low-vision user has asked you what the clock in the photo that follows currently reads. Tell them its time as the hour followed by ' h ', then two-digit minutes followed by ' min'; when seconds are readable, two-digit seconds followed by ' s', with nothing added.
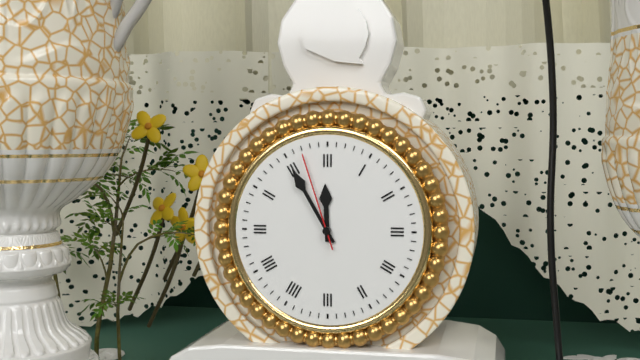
11 h 55 min 57 s
